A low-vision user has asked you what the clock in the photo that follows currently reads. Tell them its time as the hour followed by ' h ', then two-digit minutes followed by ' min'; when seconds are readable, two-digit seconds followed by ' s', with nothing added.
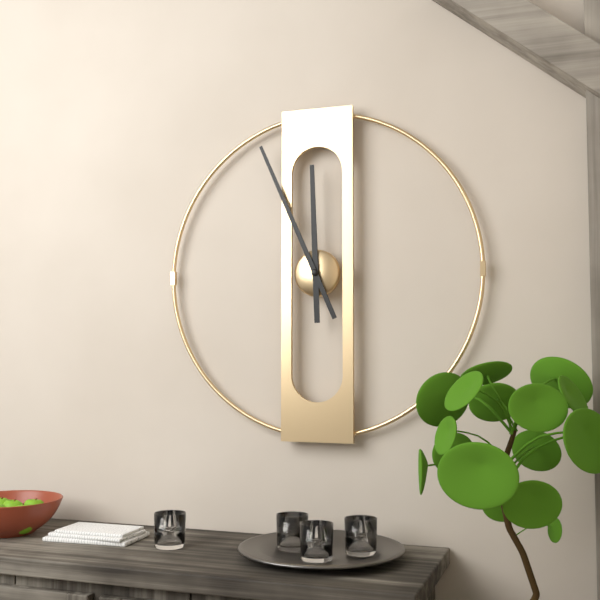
11 h 56 min
